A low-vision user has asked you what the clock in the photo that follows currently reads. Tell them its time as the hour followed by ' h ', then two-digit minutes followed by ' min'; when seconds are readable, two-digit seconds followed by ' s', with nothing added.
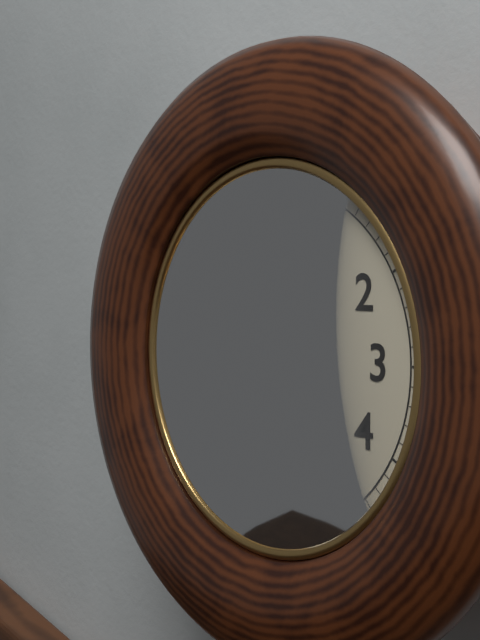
1 h 26 min
